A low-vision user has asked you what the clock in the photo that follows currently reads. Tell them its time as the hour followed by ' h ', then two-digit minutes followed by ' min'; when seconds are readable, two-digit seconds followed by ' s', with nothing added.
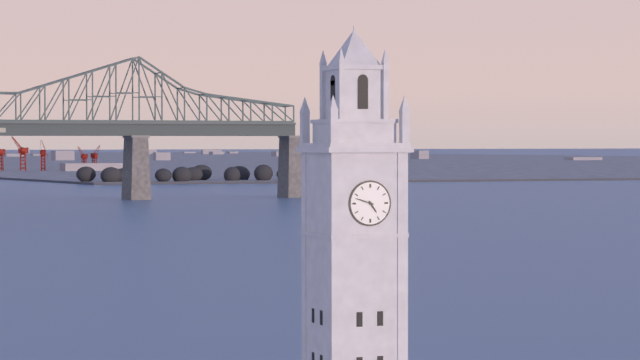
4 h 48 min
